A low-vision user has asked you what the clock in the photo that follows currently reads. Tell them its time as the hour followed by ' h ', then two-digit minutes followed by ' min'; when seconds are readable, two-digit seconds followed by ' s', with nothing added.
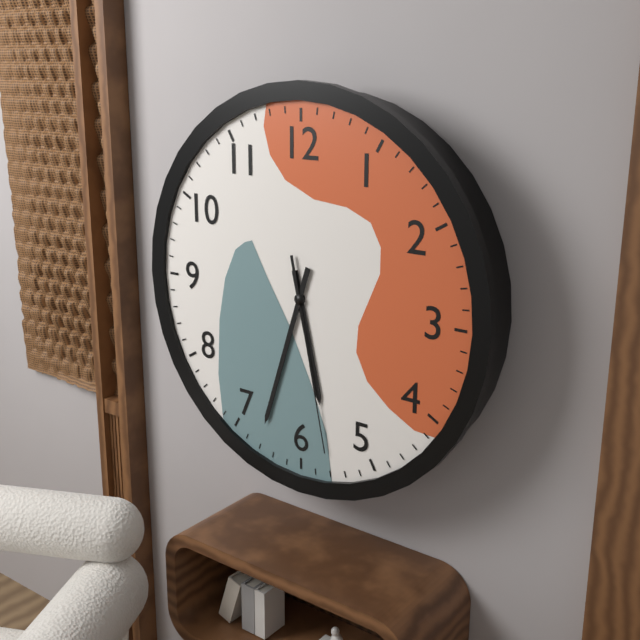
5 h 33 min 28 s
